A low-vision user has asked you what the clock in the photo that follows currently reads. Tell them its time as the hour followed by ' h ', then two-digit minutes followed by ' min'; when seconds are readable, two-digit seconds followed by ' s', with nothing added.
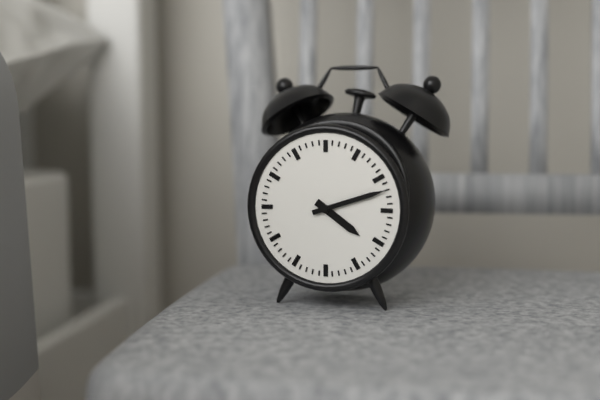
4 h 12 min
